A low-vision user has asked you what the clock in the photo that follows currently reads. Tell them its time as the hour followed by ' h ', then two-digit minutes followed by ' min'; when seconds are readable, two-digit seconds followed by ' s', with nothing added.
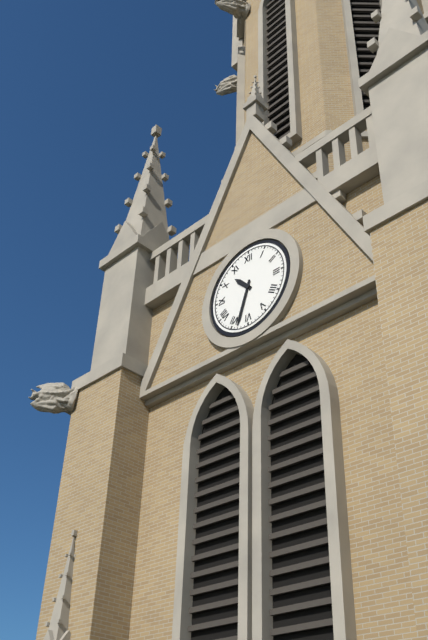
10 h 33 min
